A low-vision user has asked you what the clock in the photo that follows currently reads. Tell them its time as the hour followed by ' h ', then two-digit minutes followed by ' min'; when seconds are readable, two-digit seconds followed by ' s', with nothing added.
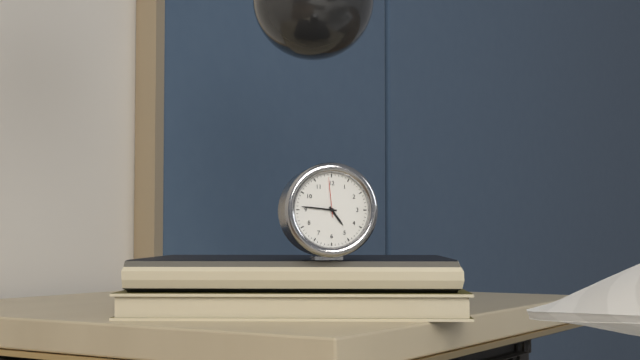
4 h 46 min
